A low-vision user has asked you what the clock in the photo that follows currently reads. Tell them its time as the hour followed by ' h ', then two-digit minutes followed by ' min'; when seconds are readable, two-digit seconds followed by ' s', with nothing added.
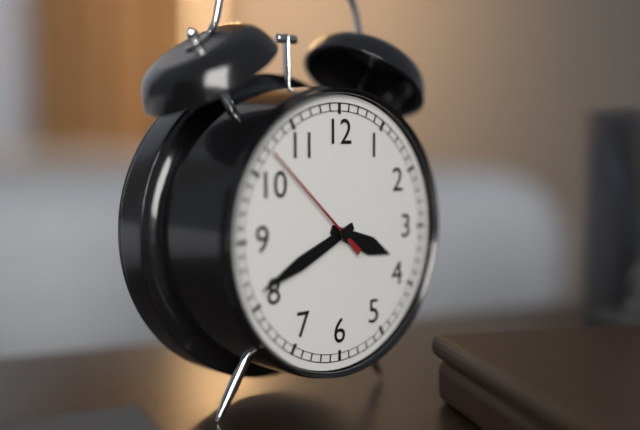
3 h 41 min 52 s
